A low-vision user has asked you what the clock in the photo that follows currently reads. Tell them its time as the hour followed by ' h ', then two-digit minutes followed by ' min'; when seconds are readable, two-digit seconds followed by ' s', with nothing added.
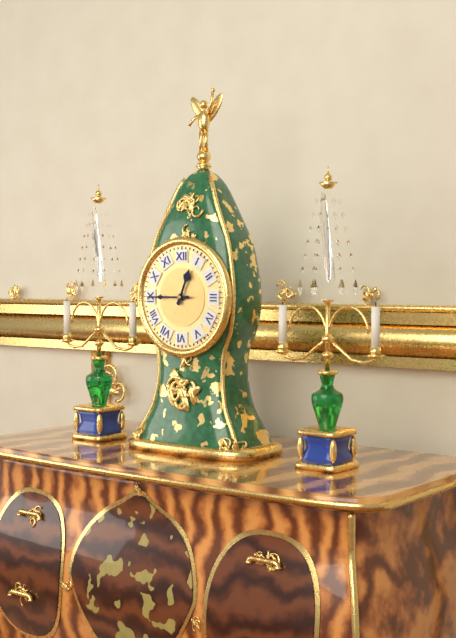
12 h 45 min
